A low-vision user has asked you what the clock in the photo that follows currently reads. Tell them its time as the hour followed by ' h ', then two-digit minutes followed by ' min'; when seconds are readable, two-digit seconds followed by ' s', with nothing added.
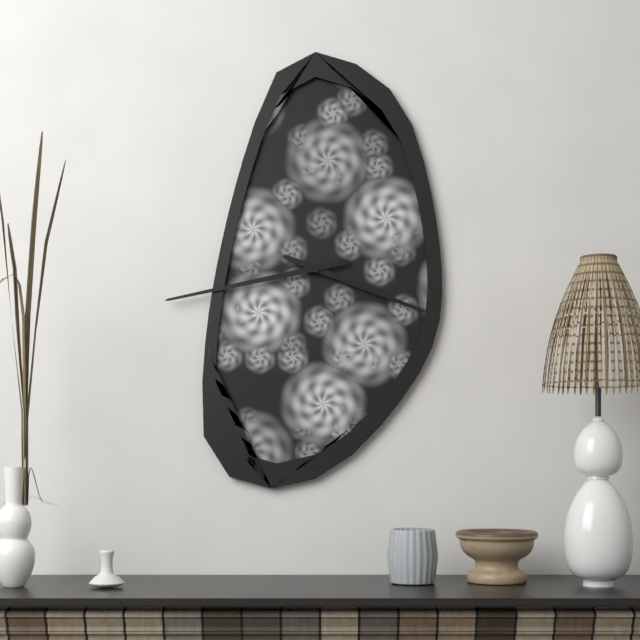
3 h 43 min
